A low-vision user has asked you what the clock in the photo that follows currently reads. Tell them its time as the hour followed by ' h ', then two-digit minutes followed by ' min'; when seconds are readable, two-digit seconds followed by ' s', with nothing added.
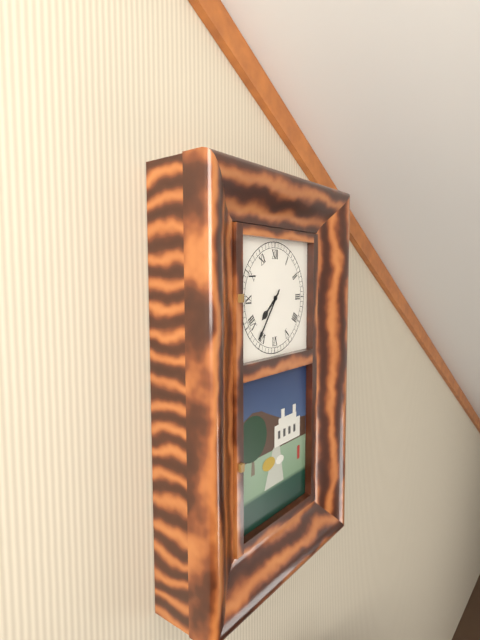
7 h 36 min
